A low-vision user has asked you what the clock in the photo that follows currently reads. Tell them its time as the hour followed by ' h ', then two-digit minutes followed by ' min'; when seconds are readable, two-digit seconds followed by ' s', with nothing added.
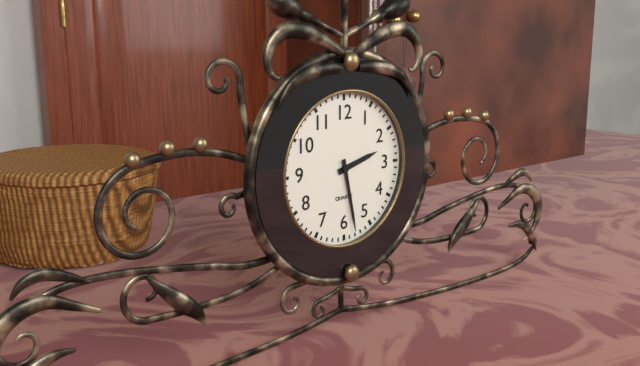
2 h 28 min
